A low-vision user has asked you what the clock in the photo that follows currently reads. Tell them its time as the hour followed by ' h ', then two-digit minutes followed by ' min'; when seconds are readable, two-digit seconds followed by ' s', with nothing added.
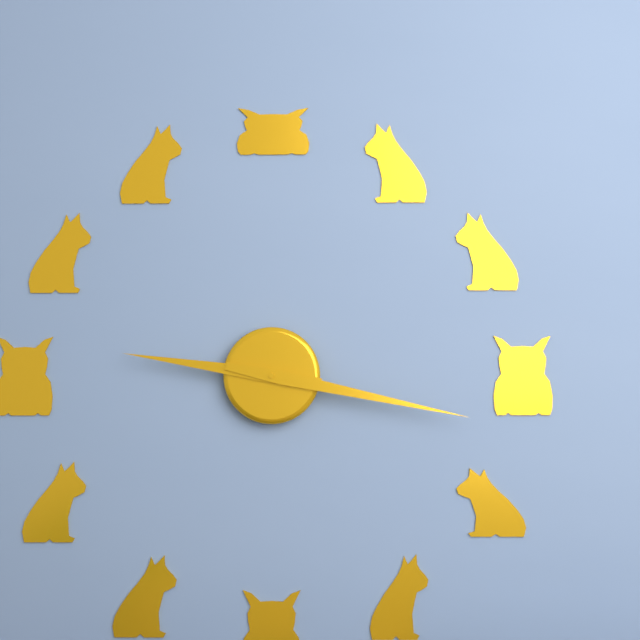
9 h 17 min
